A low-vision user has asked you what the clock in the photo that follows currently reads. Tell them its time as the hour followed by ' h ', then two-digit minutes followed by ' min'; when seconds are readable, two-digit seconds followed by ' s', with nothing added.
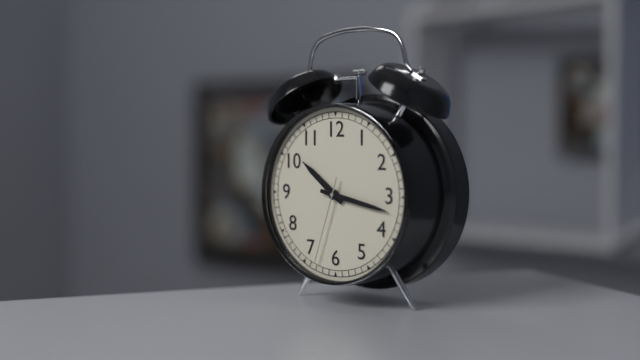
10 h 17 min 33 s
